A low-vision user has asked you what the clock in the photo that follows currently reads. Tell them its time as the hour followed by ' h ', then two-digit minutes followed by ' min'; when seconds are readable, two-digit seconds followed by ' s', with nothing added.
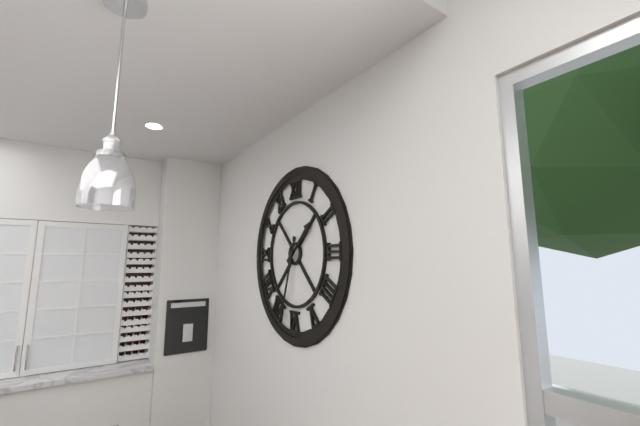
1 h 33 min
